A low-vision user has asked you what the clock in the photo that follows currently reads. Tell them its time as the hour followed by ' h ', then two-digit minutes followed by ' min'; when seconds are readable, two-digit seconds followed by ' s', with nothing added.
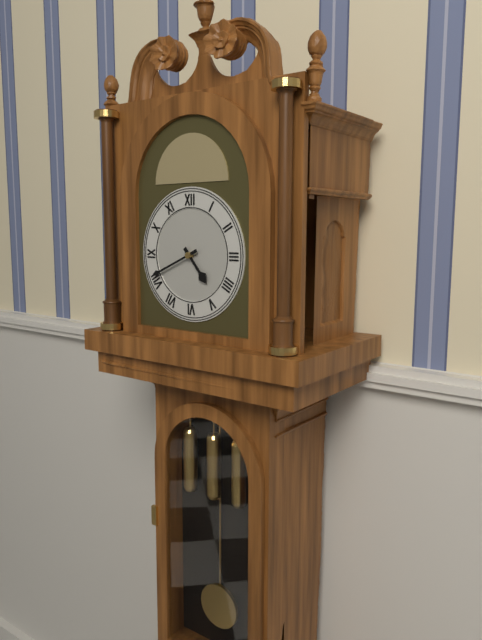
4 h 41 min
